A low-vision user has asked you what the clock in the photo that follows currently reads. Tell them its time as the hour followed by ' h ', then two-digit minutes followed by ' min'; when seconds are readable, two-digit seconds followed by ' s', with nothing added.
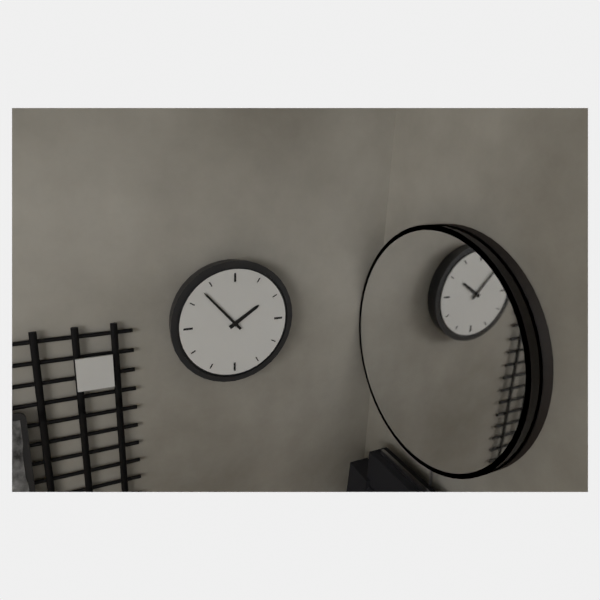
1 h 53 min
